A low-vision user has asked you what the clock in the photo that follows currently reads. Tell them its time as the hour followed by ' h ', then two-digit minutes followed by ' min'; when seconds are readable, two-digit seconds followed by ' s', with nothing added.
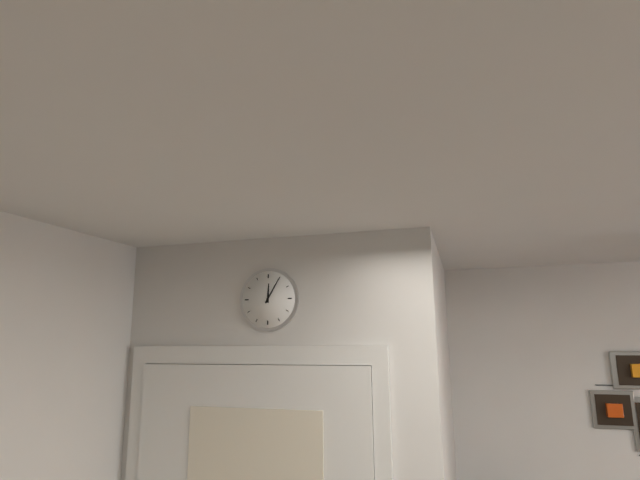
12 h 05 min
